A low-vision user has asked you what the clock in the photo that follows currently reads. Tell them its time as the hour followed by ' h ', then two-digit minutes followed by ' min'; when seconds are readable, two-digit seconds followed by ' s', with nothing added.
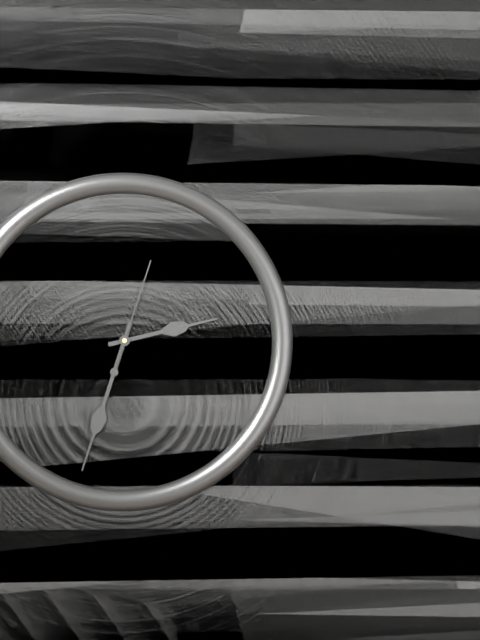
2 h 33 min 03 s
